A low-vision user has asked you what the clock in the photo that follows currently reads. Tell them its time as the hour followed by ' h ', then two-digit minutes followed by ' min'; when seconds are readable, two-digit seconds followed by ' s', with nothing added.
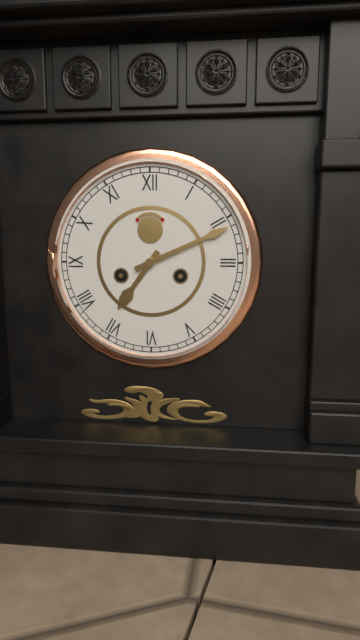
7 h 11 min
